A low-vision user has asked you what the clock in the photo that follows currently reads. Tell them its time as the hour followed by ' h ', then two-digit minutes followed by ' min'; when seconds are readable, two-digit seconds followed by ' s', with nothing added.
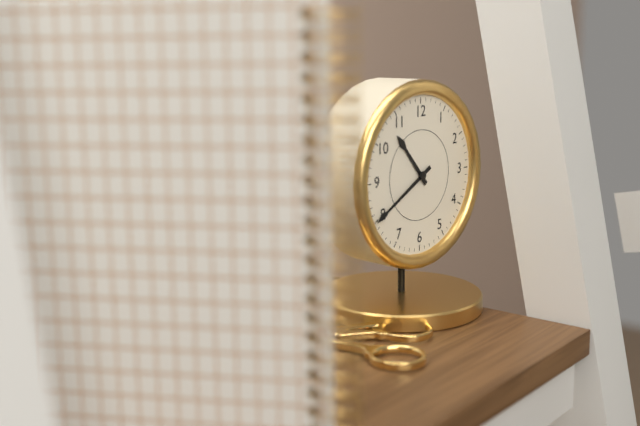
10 h 40 min
